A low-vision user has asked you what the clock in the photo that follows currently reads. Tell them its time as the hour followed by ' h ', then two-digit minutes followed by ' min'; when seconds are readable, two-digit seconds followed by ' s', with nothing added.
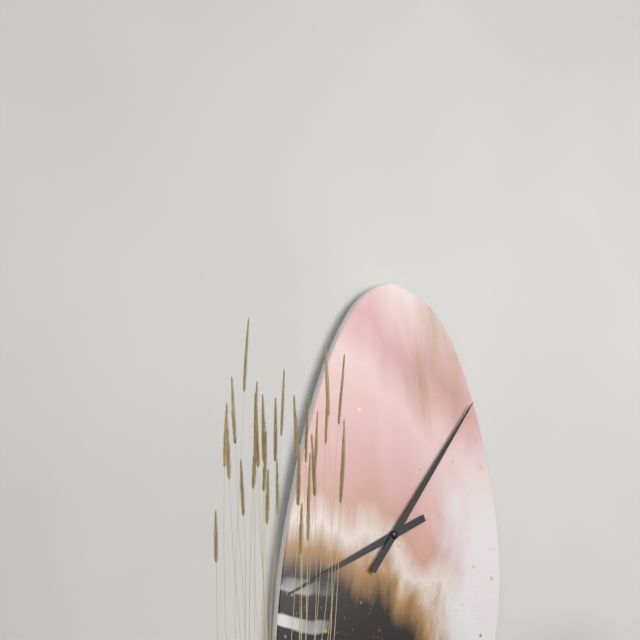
8 h 06 min
